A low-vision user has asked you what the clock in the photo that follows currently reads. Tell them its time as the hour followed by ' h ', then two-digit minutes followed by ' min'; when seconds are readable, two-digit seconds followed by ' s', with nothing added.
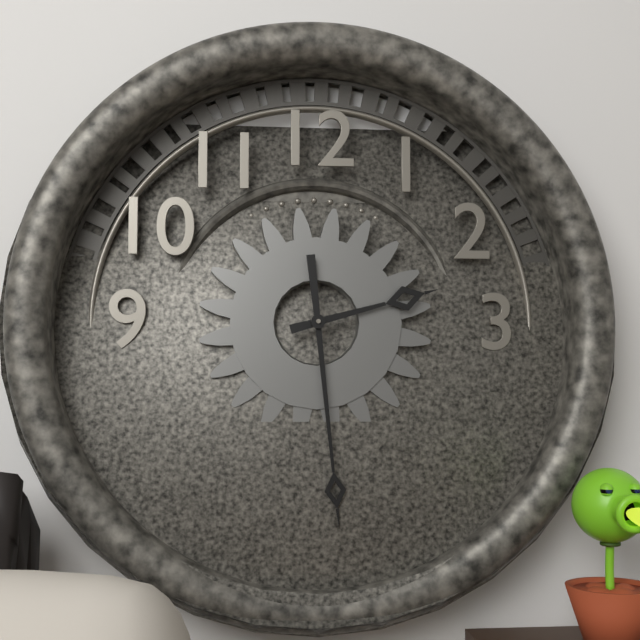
2 h 29 min
